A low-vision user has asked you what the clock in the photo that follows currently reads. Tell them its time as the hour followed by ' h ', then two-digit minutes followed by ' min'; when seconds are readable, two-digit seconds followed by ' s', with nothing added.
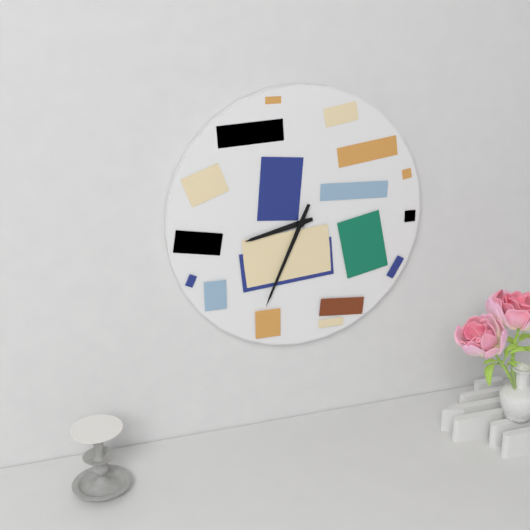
8 h 34 min
